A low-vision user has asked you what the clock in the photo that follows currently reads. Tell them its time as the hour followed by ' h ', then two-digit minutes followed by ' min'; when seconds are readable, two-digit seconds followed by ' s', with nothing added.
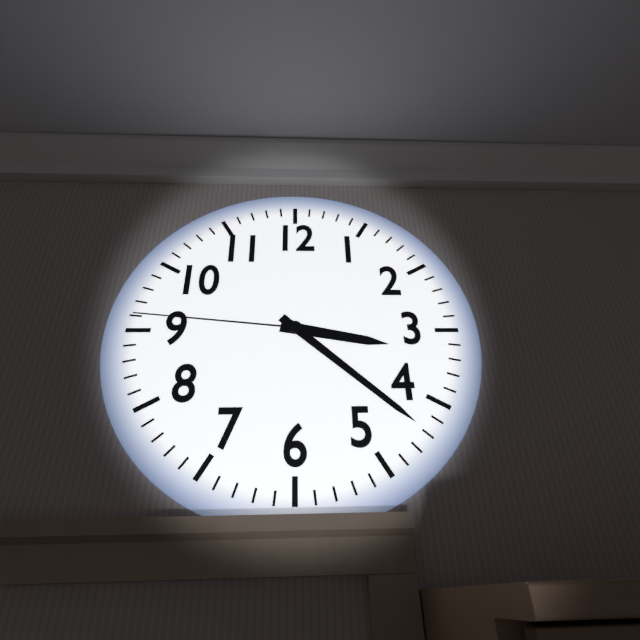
3 h 22 min 46 s
